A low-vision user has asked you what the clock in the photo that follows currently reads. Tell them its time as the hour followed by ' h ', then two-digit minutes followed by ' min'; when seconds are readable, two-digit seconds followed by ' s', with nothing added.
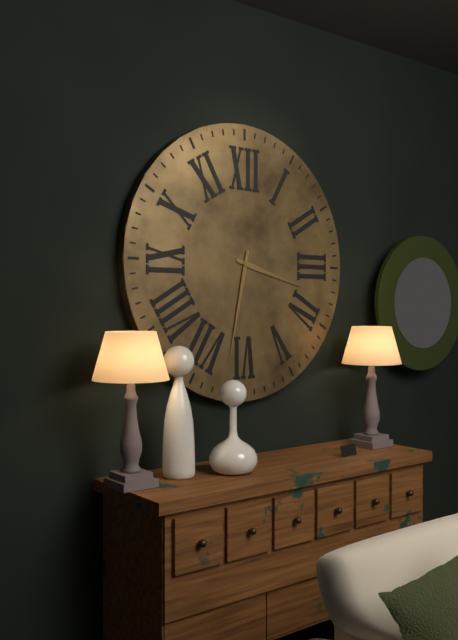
3 h 32 min
